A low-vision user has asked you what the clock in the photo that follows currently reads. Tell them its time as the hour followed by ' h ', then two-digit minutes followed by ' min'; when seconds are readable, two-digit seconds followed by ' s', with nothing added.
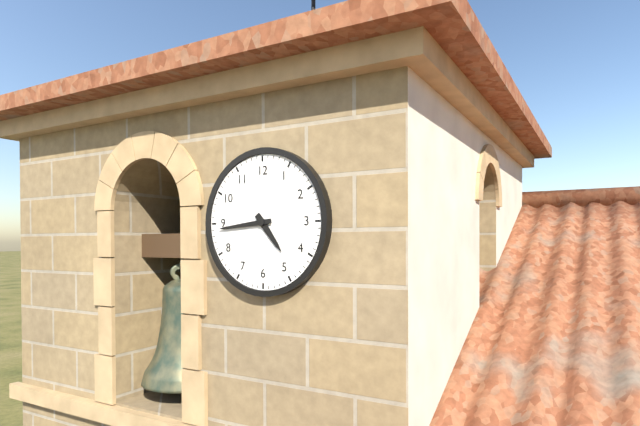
4 h 44 min
